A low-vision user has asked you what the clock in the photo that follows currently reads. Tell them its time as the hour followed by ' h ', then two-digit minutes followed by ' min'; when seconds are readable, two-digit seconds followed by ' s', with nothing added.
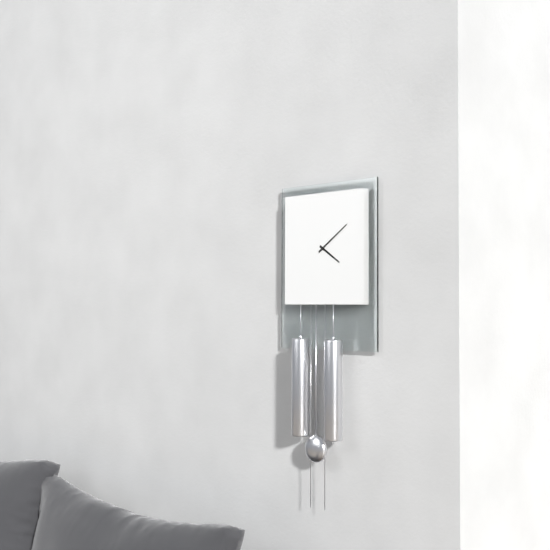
4 h 09 min
